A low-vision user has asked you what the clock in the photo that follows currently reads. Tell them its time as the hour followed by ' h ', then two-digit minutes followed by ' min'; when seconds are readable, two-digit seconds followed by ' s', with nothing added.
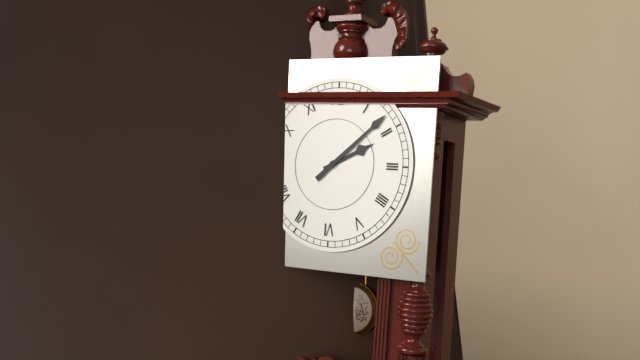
2 h 08 min
